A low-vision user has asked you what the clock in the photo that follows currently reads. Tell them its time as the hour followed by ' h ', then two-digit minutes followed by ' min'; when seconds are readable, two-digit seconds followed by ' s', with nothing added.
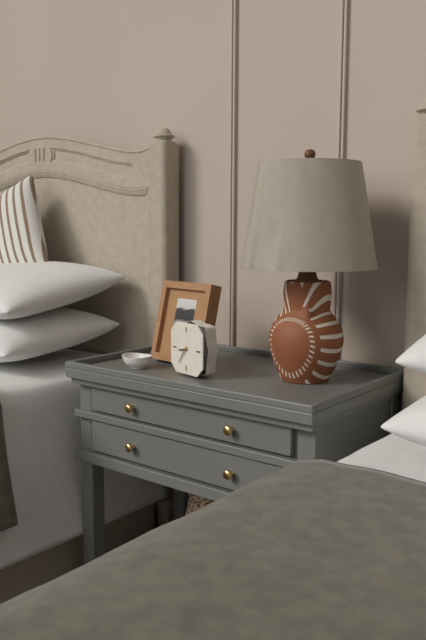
8 h 36 min
